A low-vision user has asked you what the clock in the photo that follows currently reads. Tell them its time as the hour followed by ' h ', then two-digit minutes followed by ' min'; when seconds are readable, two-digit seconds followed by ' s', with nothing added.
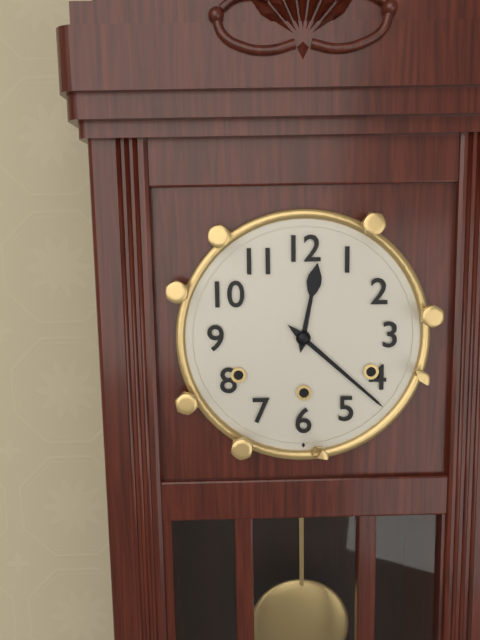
12 h 22 min
